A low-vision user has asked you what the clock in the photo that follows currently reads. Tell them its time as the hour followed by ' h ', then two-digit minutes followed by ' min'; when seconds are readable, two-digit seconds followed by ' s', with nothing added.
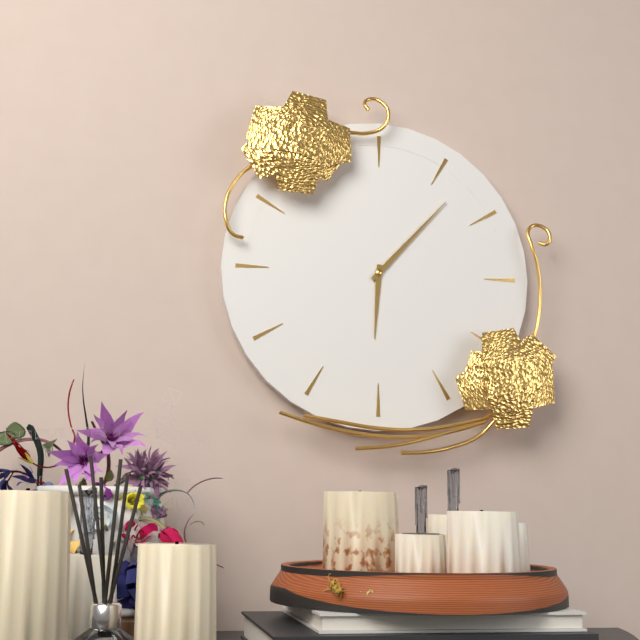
6 h 07 min
